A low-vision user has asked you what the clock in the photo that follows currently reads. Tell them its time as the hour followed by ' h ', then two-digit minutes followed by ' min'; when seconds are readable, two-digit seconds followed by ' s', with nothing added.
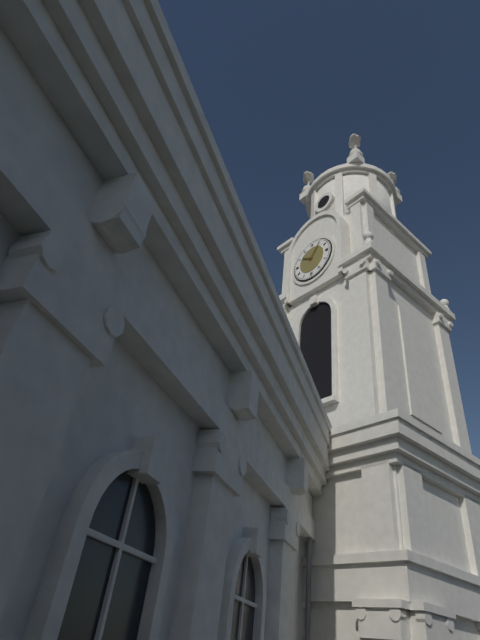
10 h 06 min
